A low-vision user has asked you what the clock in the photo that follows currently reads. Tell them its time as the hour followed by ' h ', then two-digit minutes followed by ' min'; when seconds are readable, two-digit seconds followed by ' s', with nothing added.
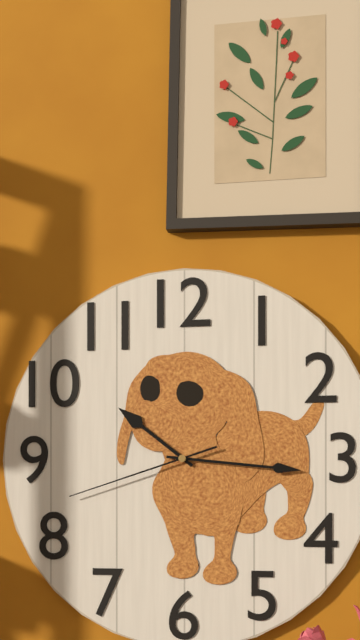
10 h 16 min 42 s
